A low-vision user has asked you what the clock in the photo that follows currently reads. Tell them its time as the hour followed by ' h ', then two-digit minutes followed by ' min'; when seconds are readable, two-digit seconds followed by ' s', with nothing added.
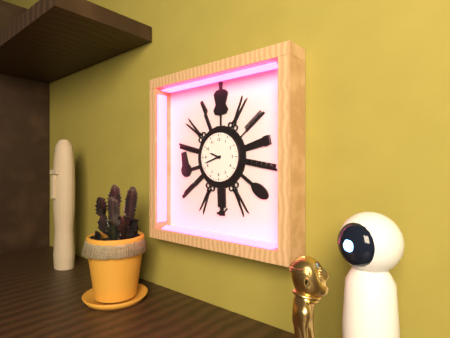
9 h 42 min
